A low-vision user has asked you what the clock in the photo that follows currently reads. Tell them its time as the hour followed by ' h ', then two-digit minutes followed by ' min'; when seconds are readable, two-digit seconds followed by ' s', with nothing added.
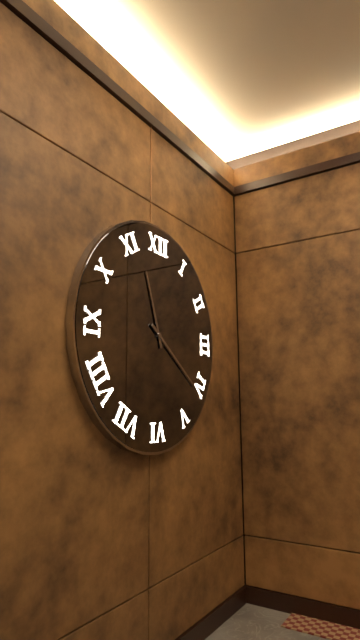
11 h 21 min
